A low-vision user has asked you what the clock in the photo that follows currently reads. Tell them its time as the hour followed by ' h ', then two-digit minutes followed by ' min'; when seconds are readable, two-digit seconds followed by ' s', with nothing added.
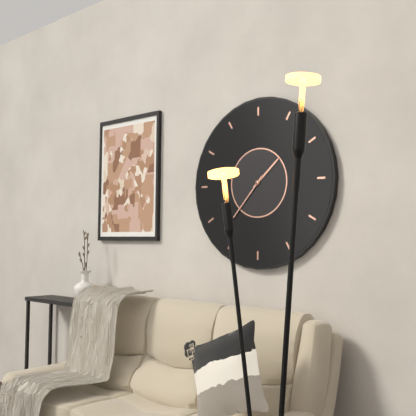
1 h 37 min
